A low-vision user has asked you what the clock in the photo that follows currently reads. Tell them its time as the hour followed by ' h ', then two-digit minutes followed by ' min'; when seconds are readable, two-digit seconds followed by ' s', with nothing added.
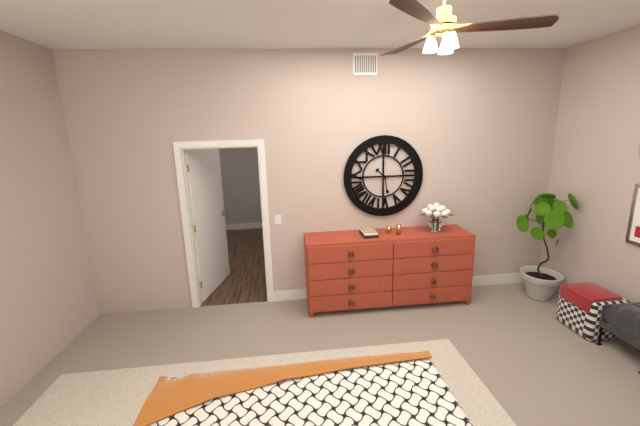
10 h 28 min
